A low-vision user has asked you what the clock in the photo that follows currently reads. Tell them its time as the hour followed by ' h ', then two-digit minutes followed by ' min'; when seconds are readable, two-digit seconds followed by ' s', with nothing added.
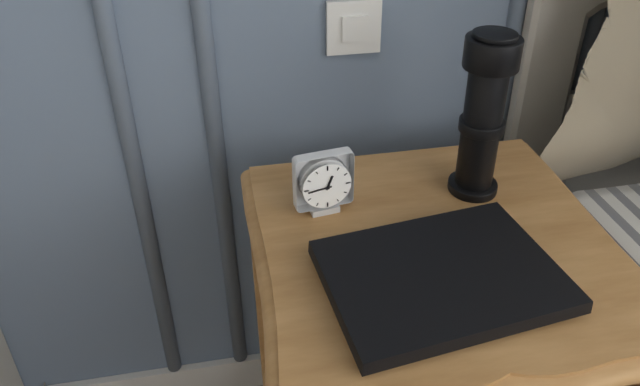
12 h 44 min
